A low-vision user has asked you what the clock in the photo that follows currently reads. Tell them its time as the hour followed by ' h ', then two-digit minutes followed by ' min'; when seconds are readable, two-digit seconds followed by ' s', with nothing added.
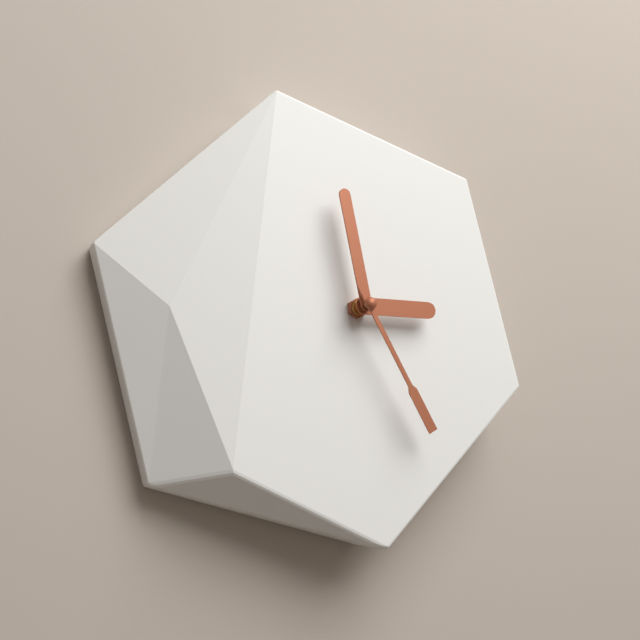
2 h 58 min 25 s
